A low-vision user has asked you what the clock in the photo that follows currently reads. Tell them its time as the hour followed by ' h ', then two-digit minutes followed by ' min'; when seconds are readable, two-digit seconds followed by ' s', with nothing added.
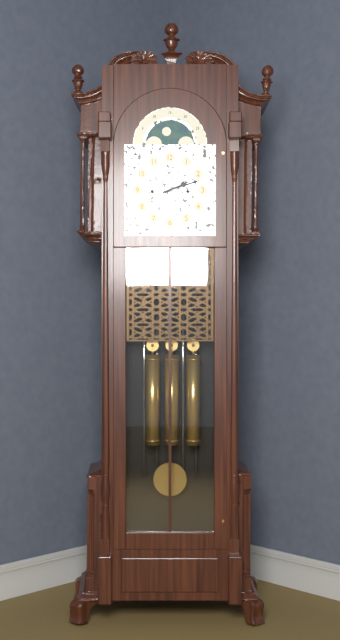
2 h 12 min
